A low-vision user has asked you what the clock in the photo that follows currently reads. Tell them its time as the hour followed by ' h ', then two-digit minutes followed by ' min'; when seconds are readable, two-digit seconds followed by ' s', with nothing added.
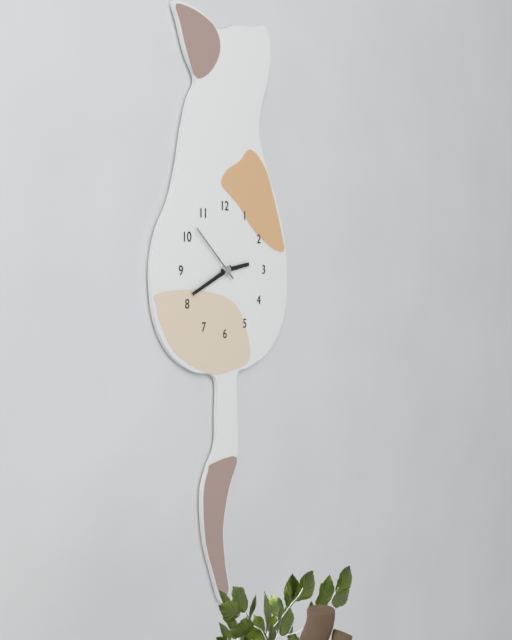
2 h 41 min 52 s
